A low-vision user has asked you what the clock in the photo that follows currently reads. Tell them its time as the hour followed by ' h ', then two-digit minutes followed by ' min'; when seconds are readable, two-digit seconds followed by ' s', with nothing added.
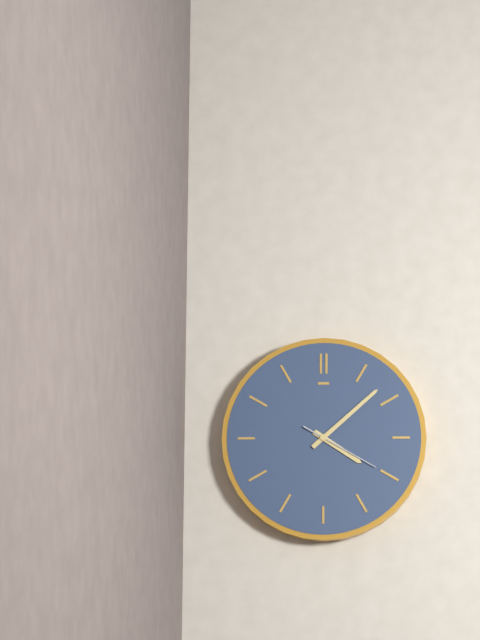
4 h 08 min 20 s
